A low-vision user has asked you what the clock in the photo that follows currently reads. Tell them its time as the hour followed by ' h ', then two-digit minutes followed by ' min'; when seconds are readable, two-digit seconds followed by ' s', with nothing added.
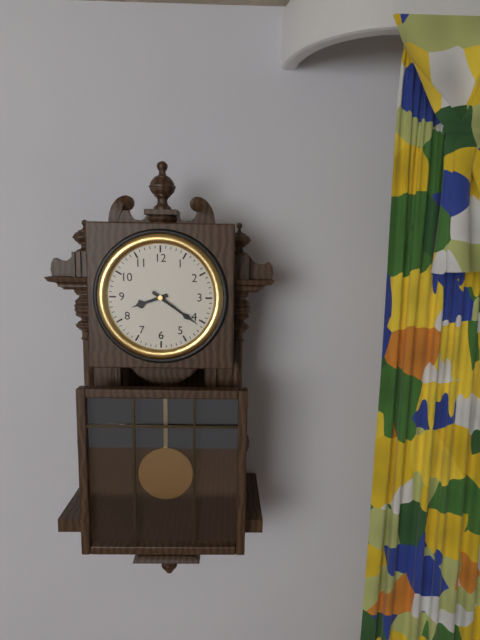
8 h 21 min
